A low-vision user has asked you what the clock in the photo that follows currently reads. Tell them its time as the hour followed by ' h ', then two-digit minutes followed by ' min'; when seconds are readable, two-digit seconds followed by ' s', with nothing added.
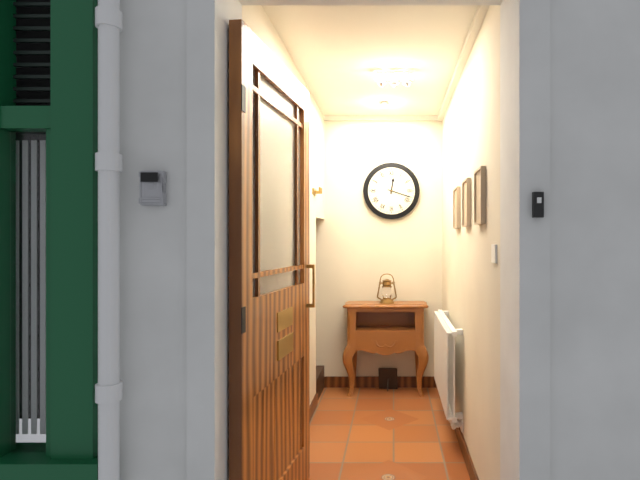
12 h 18 min
